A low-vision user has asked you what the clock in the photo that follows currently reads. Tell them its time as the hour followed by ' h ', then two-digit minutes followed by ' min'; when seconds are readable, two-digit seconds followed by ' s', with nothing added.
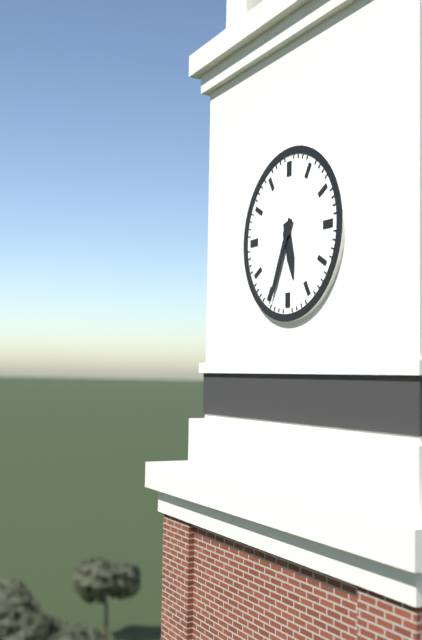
5 h 34 min
